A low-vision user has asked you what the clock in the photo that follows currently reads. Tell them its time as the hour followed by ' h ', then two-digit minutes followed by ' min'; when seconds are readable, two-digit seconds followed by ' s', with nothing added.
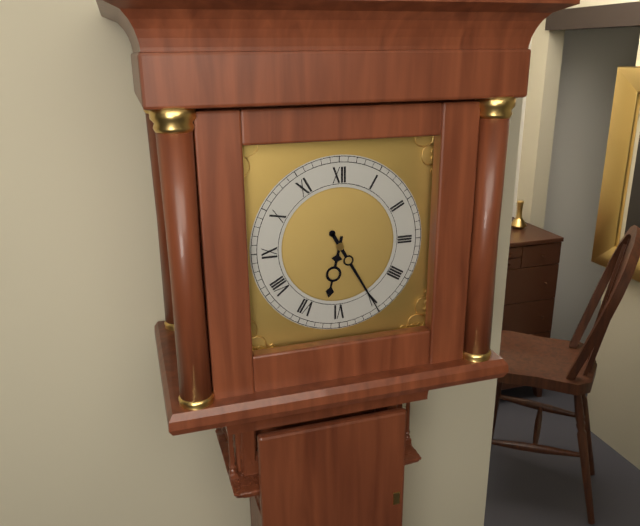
6 h 25 min
